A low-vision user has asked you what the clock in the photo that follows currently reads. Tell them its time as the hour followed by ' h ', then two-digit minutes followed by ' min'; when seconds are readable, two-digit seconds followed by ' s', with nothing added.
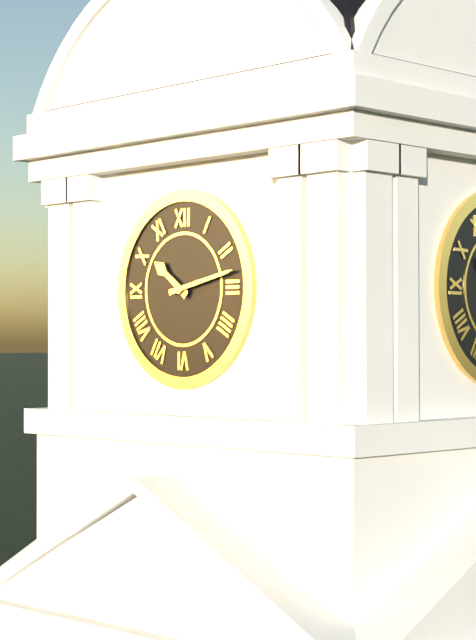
10 h 13 min
